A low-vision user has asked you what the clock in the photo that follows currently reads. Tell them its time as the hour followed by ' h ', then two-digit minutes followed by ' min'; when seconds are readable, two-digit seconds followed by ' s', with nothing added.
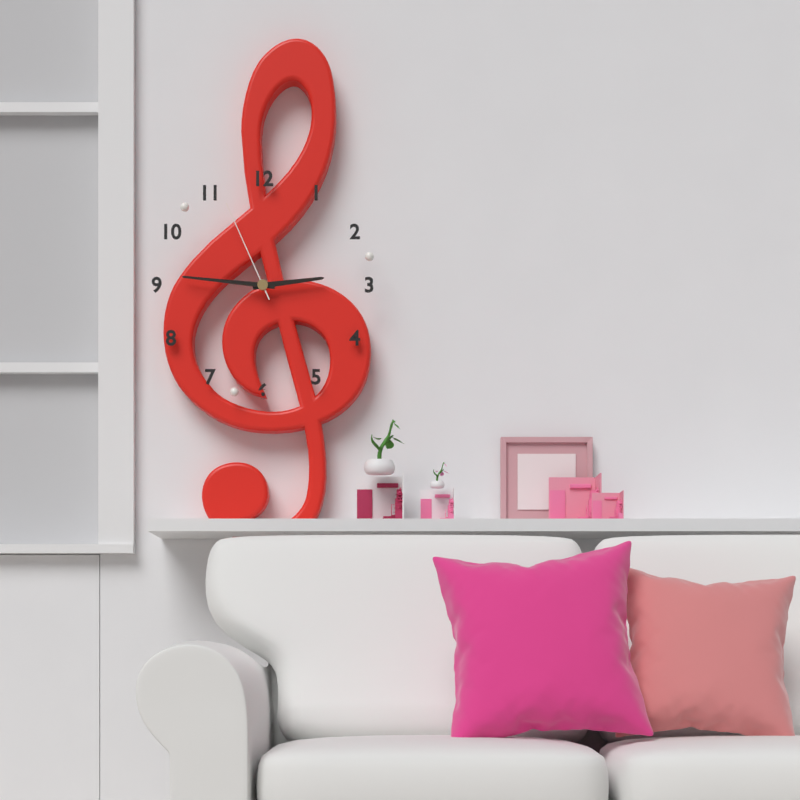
2 h 46 min 56 s
